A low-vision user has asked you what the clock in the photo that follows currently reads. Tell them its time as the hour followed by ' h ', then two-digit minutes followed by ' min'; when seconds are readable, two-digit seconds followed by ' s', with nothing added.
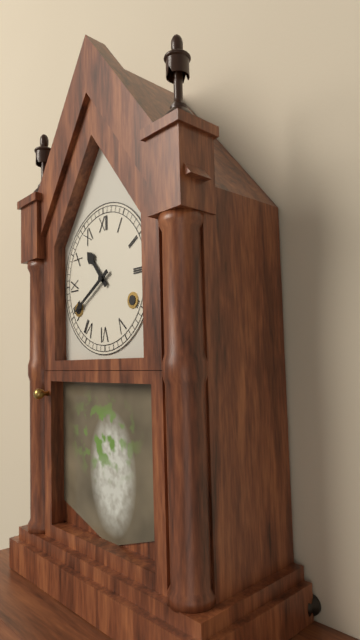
10 h 40 min
